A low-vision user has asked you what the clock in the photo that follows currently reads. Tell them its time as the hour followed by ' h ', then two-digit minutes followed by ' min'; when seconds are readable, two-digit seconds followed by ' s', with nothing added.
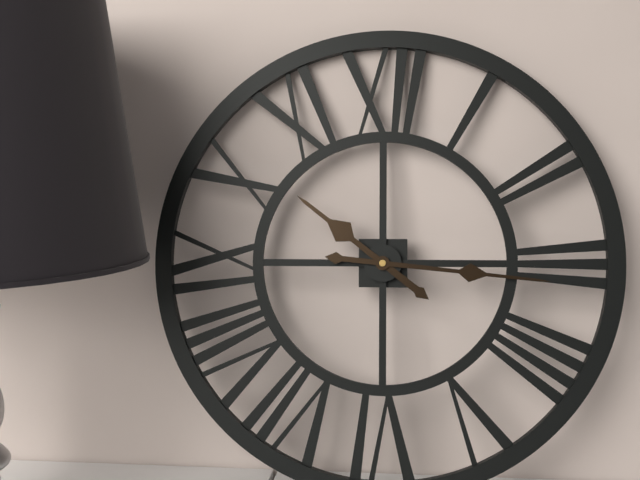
10 h 16 min
